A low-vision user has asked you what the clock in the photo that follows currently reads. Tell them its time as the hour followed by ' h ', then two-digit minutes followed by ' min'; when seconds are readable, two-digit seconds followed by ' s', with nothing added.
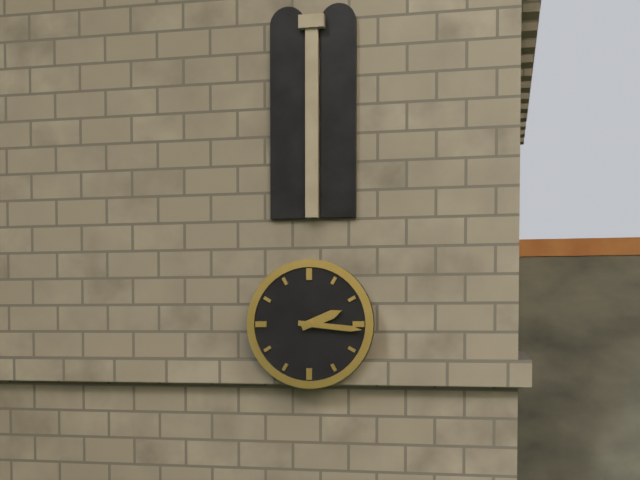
2 h 16 min
